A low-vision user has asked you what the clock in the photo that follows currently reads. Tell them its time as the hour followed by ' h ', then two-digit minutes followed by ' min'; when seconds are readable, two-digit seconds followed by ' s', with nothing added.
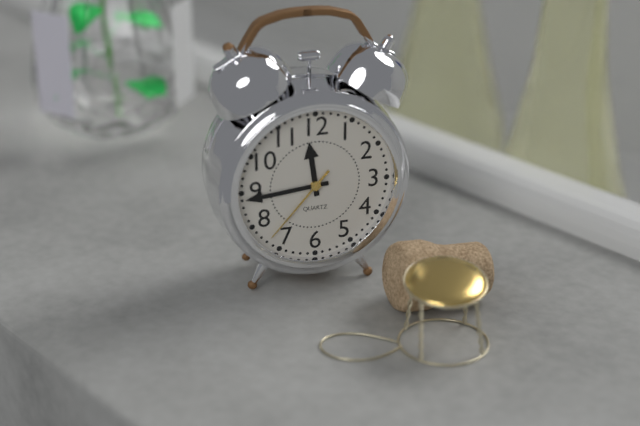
11 h 44 min 37 s
